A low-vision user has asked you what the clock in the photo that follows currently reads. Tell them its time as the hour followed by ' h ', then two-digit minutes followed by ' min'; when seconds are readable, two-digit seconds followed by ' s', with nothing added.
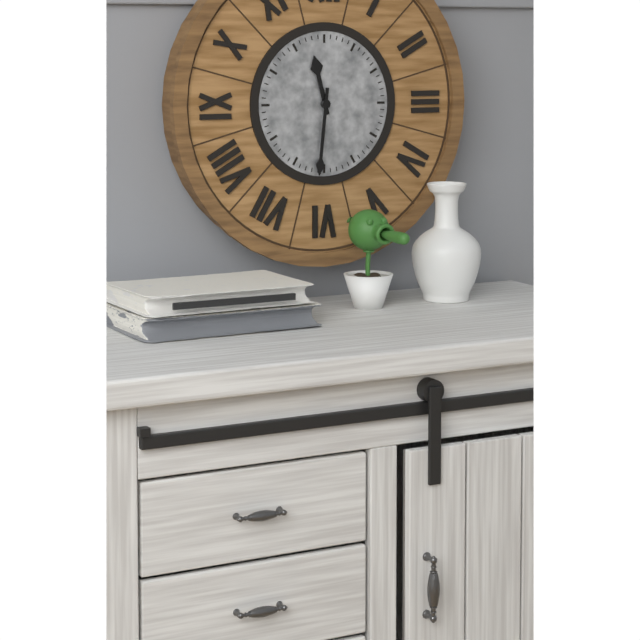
11 h 31 min
